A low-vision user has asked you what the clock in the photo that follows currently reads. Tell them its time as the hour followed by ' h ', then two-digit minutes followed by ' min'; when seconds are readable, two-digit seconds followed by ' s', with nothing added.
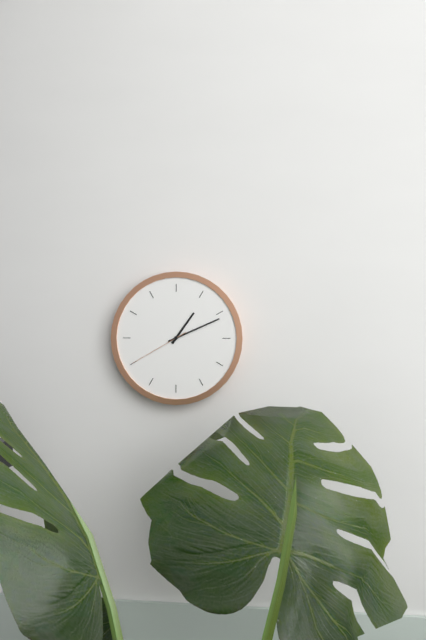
1 h 11 min 40 s
